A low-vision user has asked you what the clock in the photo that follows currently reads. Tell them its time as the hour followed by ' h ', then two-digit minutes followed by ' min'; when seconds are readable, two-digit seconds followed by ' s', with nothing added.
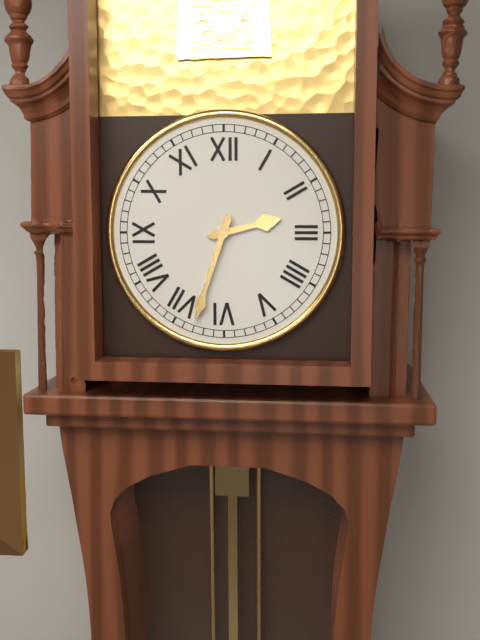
2 h 33 min
